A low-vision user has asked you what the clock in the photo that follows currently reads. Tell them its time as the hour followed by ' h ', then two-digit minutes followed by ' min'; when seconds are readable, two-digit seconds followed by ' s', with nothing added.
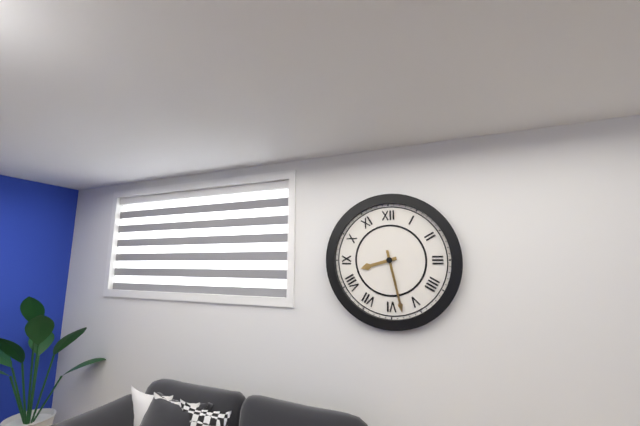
8 h 28 min
